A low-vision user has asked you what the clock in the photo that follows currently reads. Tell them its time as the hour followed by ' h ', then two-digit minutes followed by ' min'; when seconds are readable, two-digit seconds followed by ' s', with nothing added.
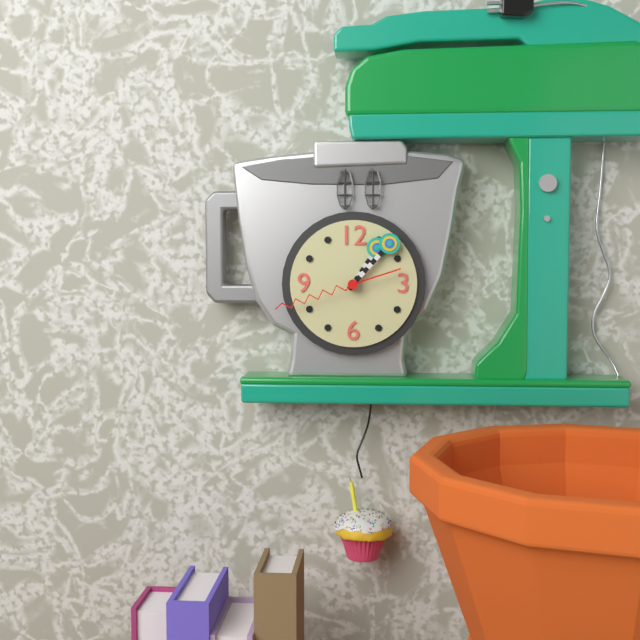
1 h 07 min 42 s
